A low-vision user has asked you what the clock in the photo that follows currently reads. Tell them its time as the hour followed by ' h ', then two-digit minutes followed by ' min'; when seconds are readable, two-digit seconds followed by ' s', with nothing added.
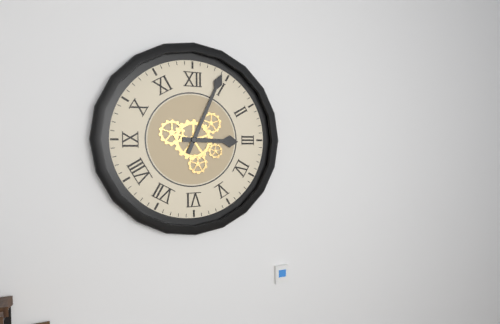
3 h 04 min
